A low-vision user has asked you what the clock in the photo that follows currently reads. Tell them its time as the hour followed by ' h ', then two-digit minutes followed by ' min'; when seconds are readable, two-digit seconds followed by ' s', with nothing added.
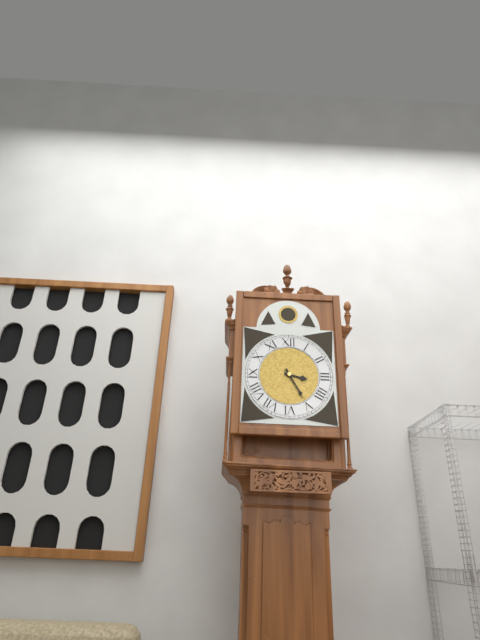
3 h 25 min
